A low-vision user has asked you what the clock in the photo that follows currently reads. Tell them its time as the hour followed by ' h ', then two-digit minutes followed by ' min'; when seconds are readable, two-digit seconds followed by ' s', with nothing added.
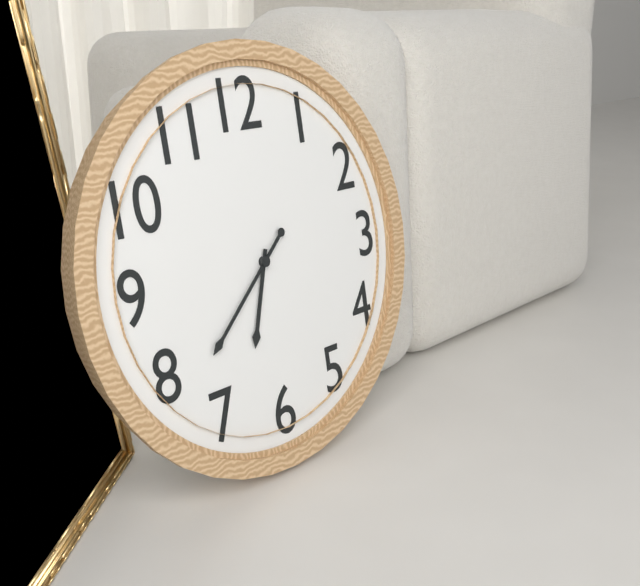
6 h 38 min
